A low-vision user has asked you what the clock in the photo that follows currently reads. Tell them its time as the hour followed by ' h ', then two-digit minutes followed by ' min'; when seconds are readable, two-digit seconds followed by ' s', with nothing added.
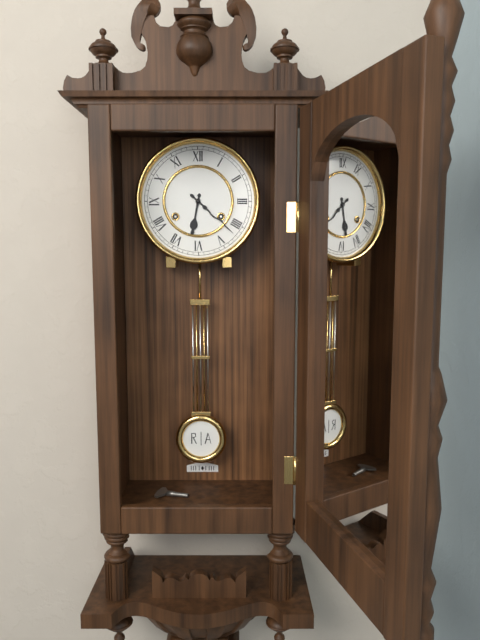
6 h 22 min
